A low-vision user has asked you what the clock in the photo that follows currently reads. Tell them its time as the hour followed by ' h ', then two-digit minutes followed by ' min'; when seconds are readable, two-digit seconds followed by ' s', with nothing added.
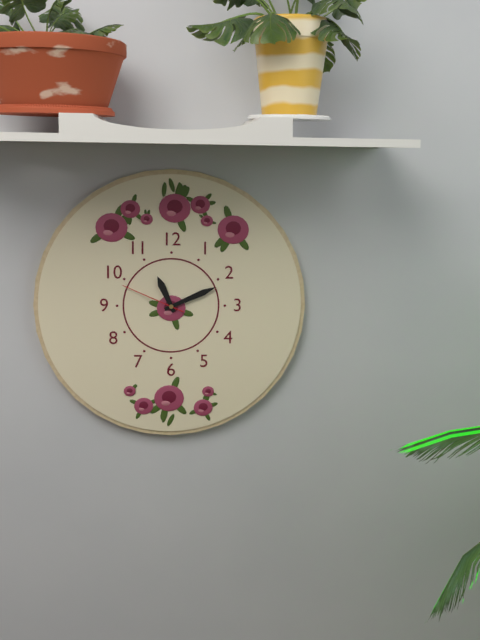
11 h 11 min 49 s
